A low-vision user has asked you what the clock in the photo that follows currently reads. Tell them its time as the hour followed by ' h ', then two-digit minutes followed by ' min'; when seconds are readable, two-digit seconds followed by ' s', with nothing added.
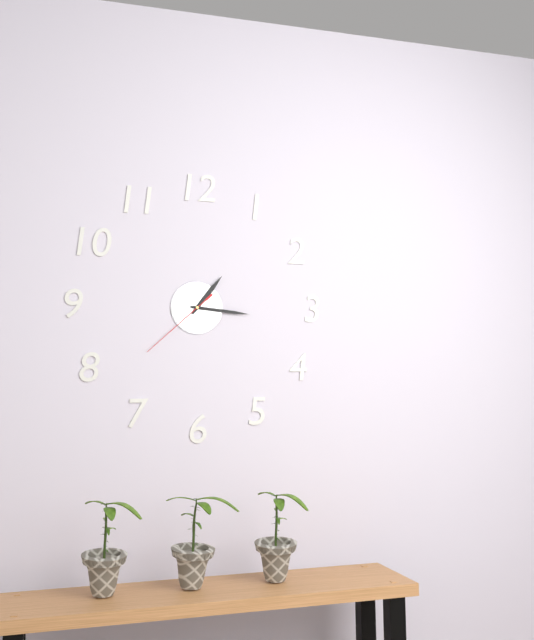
1 h 16 min 38 s
